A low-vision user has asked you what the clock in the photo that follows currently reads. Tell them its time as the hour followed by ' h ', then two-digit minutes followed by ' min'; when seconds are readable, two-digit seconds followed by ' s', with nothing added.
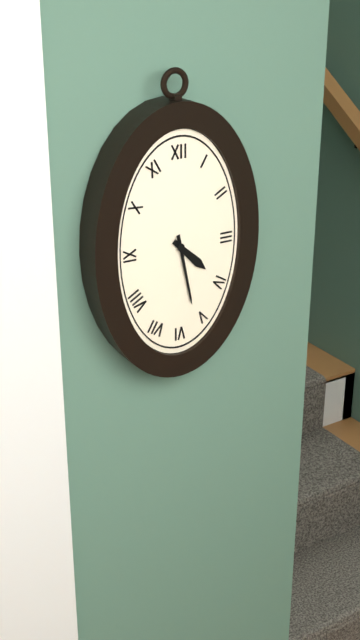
4 h 28 min
